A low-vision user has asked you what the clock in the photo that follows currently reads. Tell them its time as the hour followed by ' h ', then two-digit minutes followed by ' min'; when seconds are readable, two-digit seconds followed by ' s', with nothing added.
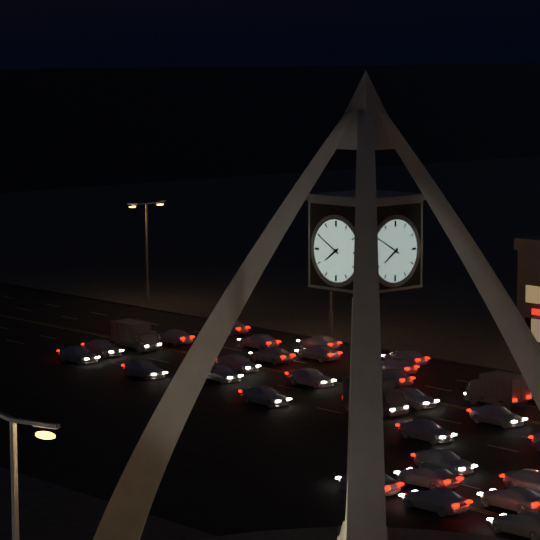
7 h 50 min
